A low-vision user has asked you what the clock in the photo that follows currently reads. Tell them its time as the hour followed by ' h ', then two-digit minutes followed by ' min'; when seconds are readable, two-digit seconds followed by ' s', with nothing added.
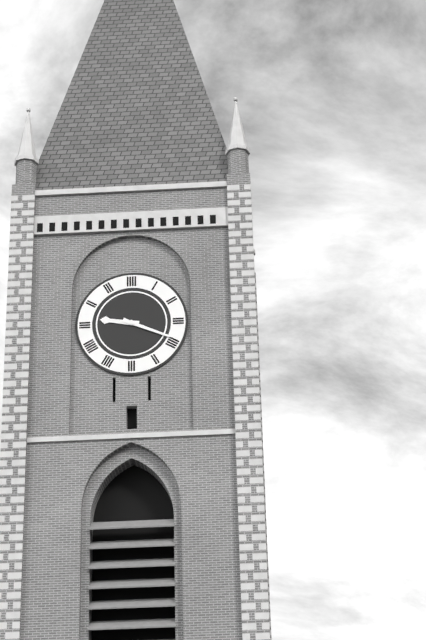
9 h 19 min
